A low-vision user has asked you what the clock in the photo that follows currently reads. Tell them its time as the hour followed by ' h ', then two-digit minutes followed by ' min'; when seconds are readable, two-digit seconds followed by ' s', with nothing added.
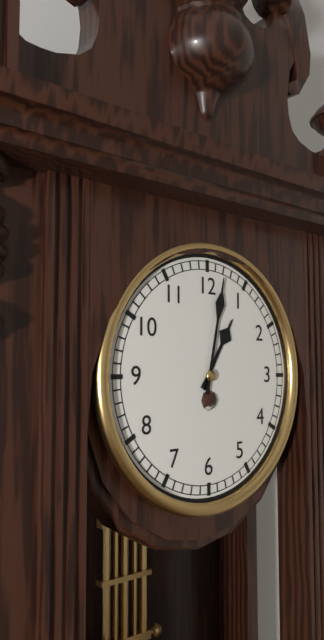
1 h 02 min
